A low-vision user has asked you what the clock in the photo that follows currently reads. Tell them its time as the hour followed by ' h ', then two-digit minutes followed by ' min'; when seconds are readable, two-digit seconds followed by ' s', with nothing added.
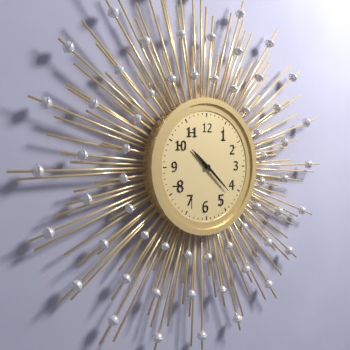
10 h 22 min
